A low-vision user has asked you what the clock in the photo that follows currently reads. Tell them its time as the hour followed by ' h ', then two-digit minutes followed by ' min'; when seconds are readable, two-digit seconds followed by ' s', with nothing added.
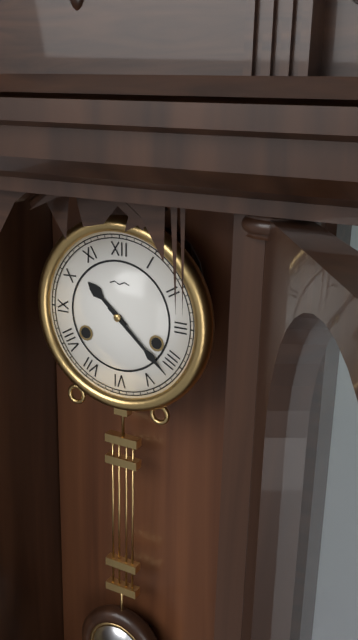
10 h 22 min
